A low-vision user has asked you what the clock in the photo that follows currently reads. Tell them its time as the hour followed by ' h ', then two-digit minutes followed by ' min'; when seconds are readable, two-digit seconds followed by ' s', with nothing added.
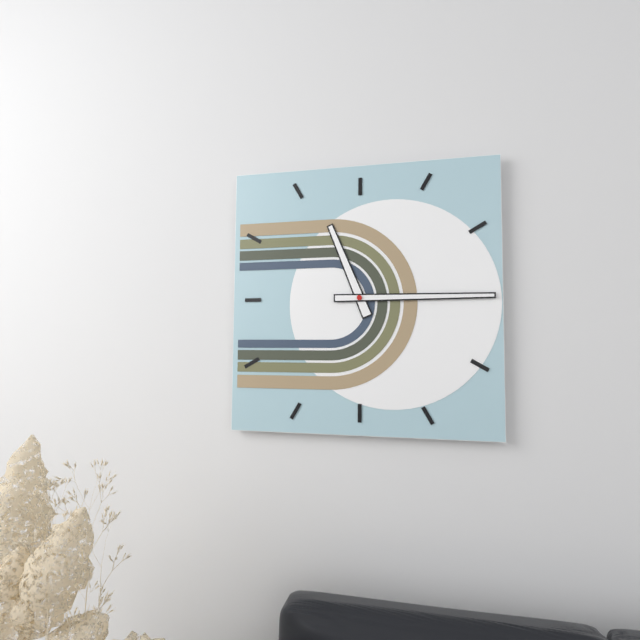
11 h 15 min
